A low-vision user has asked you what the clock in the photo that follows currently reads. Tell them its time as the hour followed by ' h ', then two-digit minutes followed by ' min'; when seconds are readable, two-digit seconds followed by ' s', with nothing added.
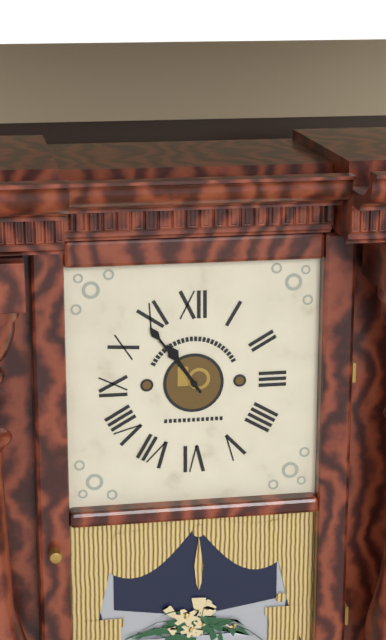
10 h 54 min
